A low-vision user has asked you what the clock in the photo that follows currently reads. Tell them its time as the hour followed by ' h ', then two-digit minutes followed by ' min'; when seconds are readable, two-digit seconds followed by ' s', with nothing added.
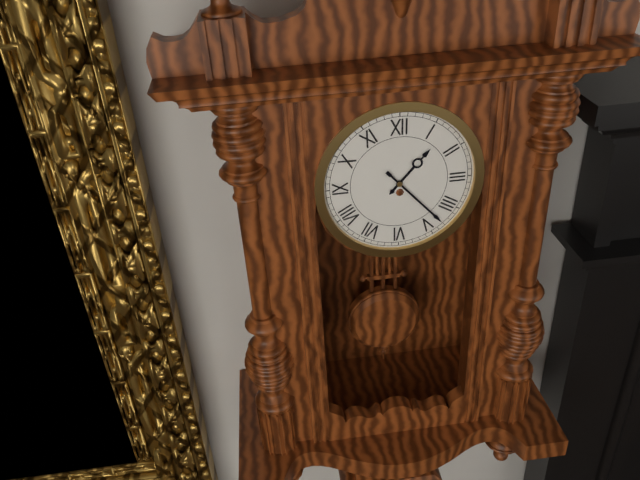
1 h 23 min
